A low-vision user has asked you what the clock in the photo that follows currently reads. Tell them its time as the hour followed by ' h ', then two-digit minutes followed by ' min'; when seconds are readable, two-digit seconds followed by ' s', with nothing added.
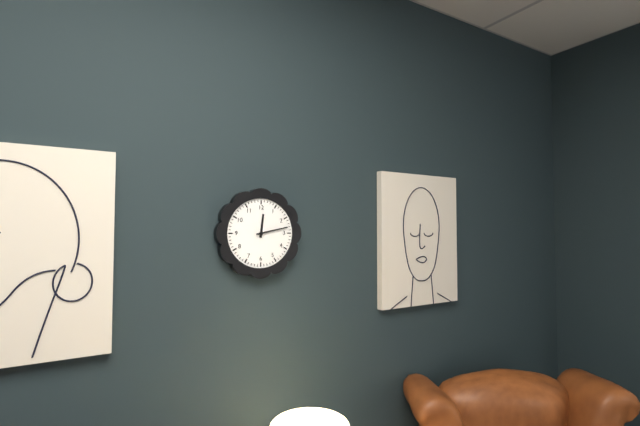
12 h 13 min
